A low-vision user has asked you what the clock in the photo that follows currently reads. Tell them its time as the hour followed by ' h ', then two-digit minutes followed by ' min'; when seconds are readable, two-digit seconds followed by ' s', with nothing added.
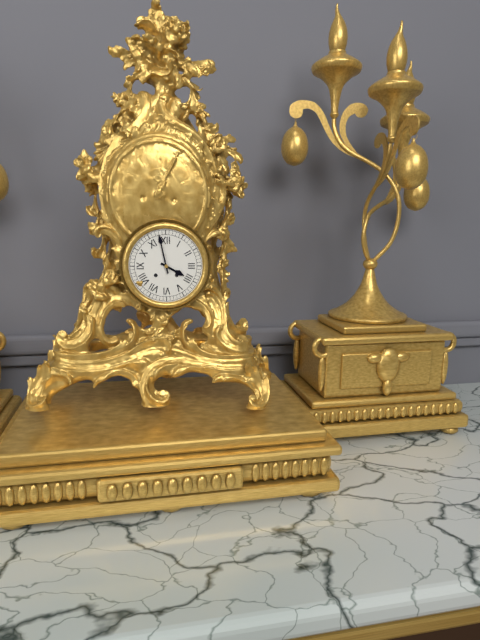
3 h 58 min
